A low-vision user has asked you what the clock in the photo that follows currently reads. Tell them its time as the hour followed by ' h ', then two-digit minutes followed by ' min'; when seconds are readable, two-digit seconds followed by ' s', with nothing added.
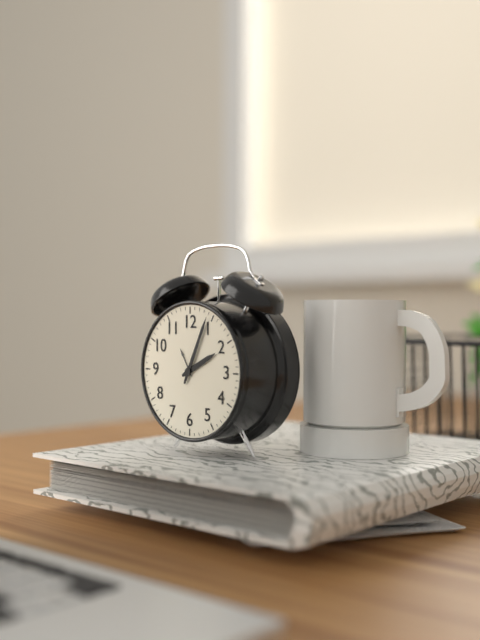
2 h 04 min
